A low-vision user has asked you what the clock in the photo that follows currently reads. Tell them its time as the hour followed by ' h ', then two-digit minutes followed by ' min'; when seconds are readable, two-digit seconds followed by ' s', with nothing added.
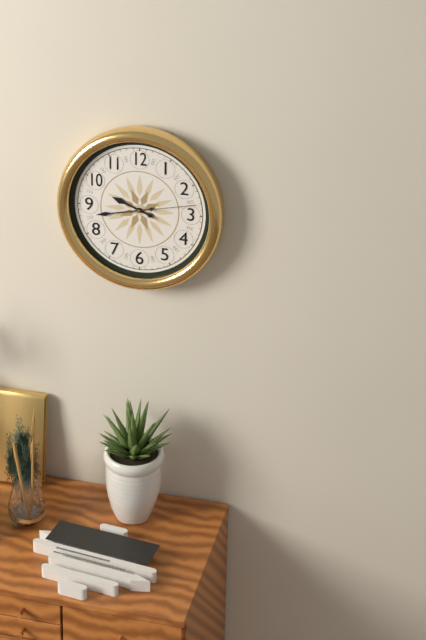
9 h 43 min 13 s
